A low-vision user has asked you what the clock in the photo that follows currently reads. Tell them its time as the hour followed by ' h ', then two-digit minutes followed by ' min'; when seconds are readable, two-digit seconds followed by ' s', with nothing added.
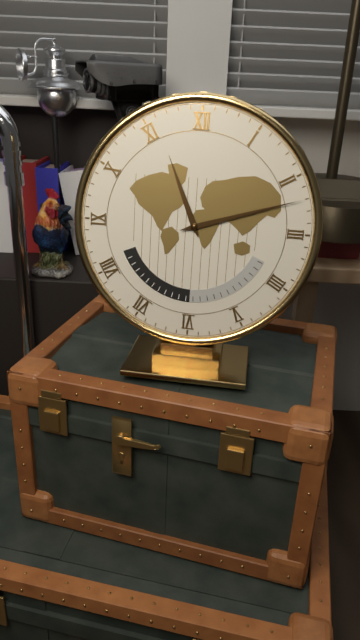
11 h 12 min
